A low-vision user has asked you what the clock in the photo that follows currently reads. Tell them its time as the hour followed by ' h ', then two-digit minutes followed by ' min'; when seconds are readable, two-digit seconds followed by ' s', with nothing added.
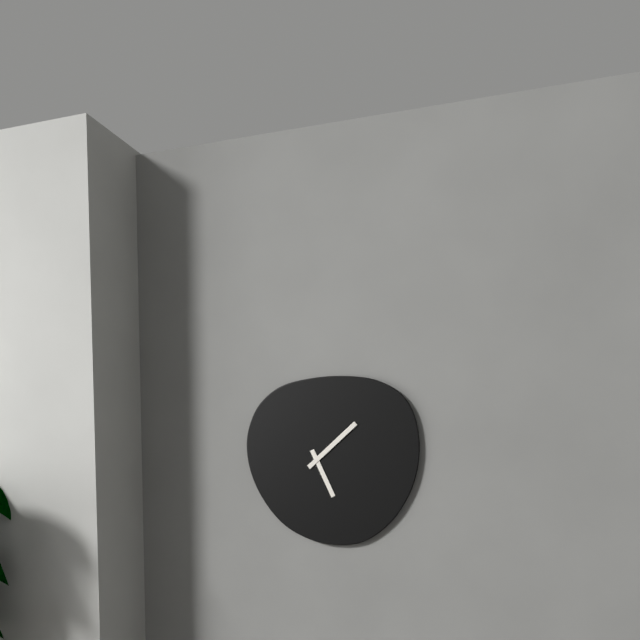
5 h 08 min
